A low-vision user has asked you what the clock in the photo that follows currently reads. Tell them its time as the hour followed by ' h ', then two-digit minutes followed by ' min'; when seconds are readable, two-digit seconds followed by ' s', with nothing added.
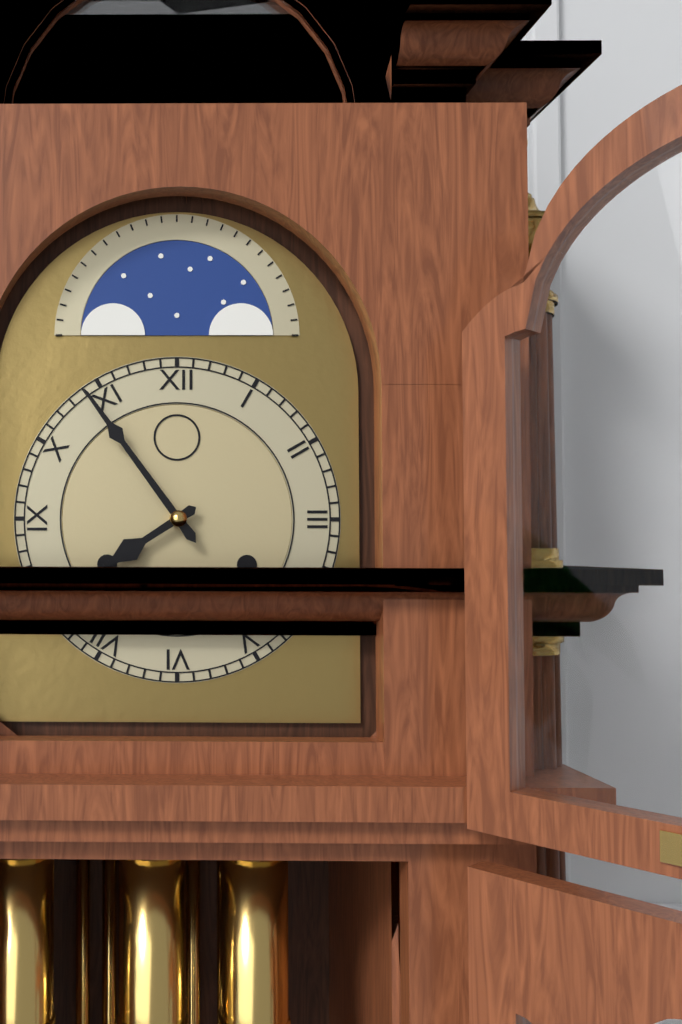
7 h 54 min
